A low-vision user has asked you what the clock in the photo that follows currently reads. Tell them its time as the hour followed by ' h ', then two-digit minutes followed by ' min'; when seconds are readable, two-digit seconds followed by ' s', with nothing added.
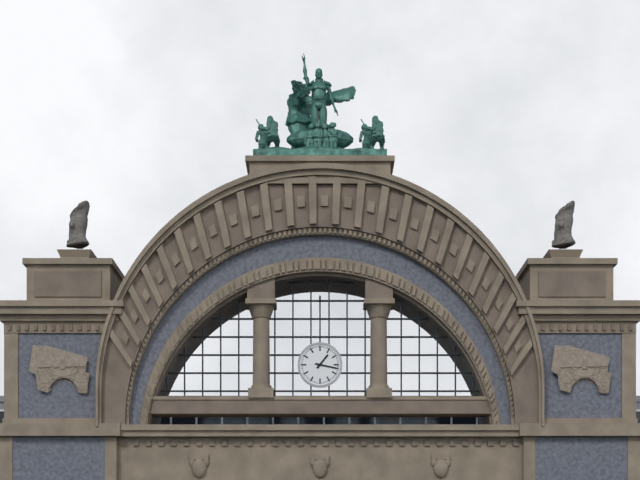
1 h 17 min
